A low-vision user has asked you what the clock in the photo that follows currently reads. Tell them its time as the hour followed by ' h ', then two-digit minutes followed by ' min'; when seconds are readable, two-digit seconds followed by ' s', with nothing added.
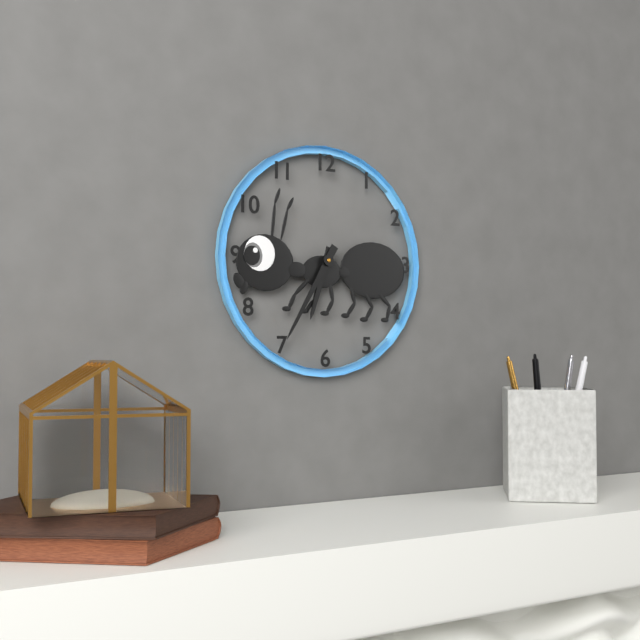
6 h 35 min
